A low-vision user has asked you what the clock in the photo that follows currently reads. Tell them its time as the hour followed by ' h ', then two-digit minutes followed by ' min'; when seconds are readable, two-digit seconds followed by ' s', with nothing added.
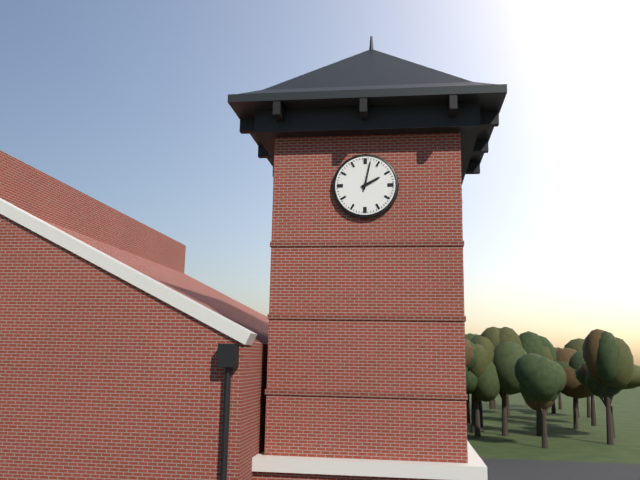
2 h 02 min
